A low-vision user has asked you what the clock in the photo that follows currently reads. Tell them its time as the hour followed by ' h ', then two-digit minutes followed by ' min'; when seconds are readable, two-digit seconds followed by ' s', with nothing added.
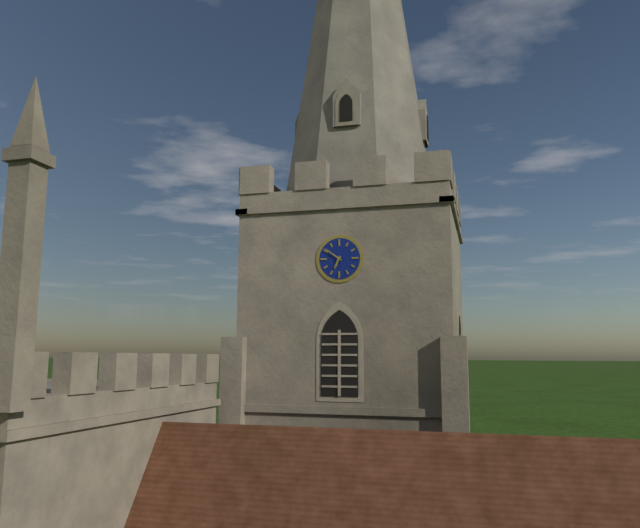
6 h 51 min
